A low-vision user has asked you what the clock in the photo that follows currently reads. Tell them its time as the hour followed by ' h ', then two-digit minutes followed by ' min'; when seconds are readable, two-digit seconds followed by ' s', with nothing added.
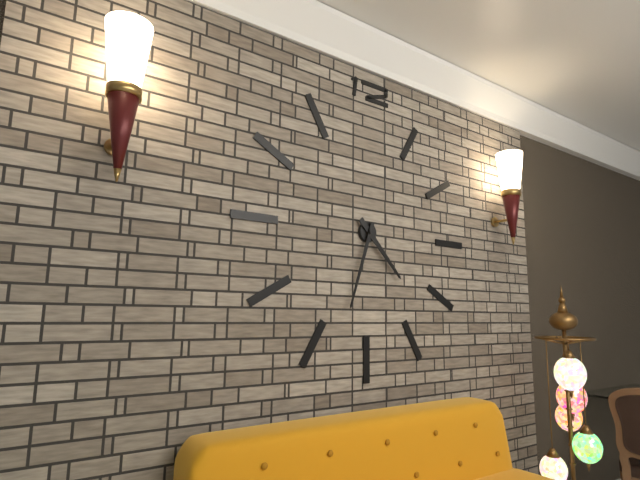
4 h 33 min
